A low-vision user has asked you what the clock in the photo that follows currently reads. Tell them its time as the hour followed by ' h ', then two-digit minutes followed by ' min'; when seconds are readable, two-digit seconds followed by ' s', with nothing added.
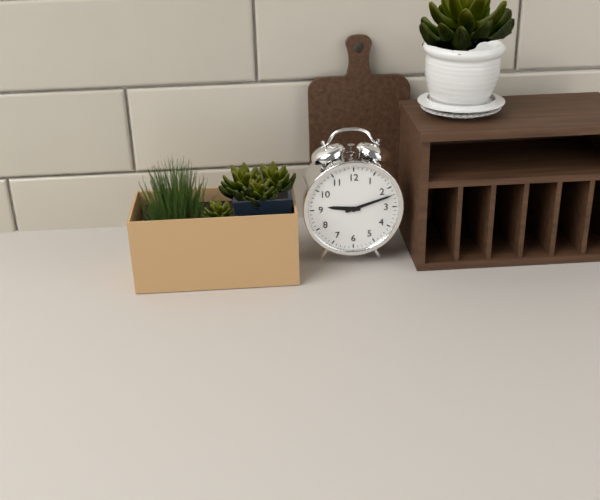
9 h 12 min
